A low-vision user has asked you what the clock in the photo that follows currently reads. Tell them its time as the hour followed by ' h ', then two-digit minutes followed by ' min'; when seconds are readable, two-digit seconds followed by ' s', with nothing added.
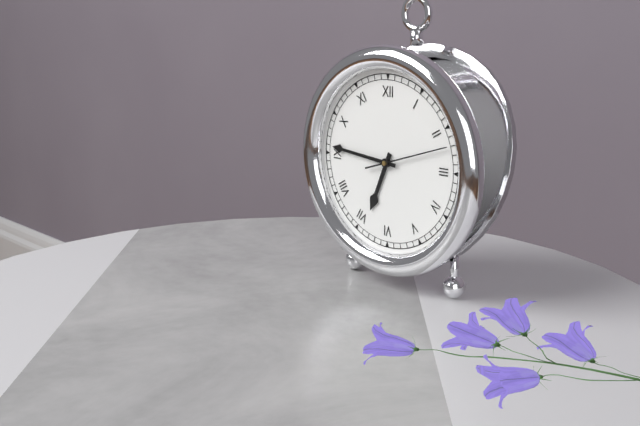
6 h 46 min 12 s
